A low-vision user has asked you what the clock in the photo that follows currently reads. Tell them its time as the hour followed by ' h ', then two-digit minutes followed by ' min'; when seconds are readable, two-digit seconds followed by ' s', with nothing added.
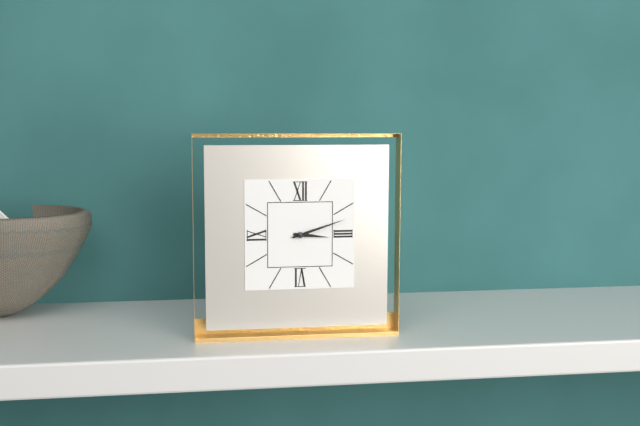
3 h 12 min
